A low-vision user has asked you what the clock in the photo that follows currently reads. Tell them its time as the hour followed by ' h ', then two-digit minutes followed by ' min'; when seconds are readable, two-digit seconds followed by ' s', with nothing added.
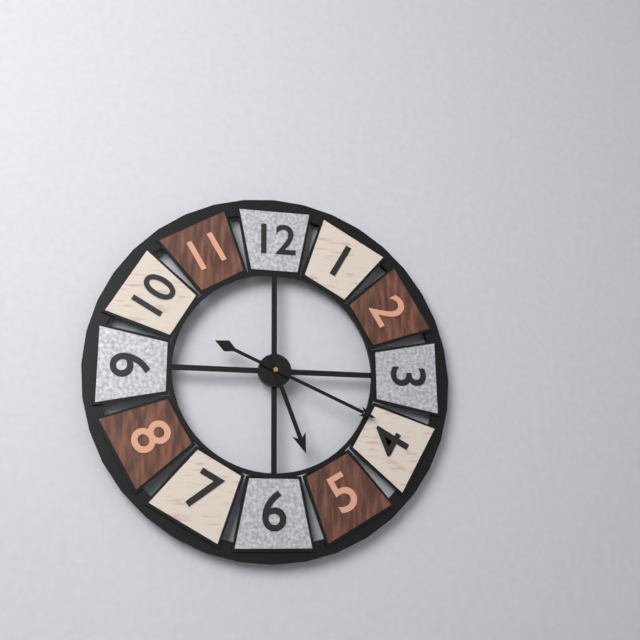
5 h 19 min
